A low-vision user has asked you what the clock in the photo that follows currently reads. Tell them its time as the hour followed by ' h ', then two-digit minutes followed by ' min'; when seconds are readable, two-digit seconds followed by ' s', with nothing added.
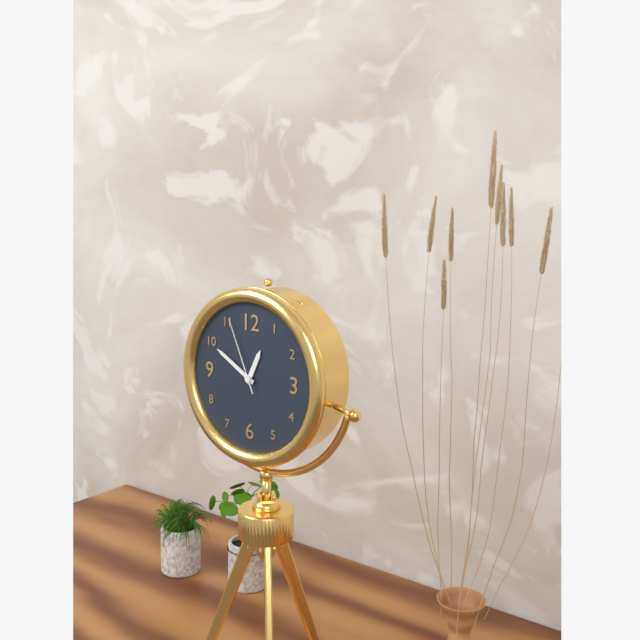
12 h 50 min 56 s
